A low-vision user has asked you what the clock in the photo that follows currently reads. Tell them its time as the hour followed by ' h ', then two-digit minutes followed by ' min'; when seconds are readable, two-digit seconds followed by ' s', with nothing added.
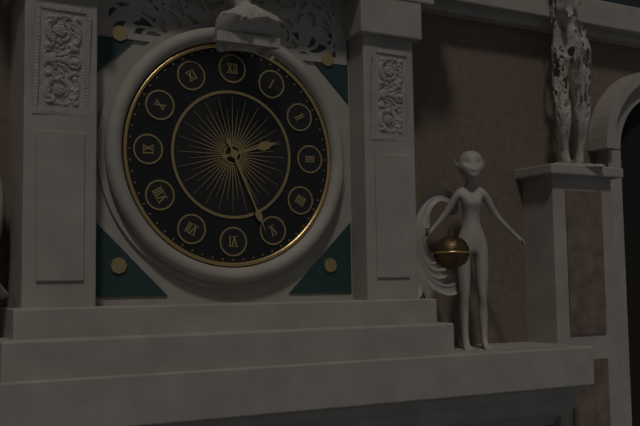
2 h 26 min
